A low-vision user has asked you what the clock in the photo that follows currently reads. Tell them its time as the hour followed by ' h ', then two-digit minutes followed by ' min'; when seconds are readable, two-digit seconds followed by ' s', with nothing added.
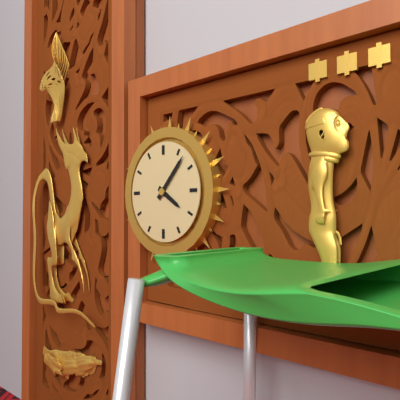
4 h 07 min
